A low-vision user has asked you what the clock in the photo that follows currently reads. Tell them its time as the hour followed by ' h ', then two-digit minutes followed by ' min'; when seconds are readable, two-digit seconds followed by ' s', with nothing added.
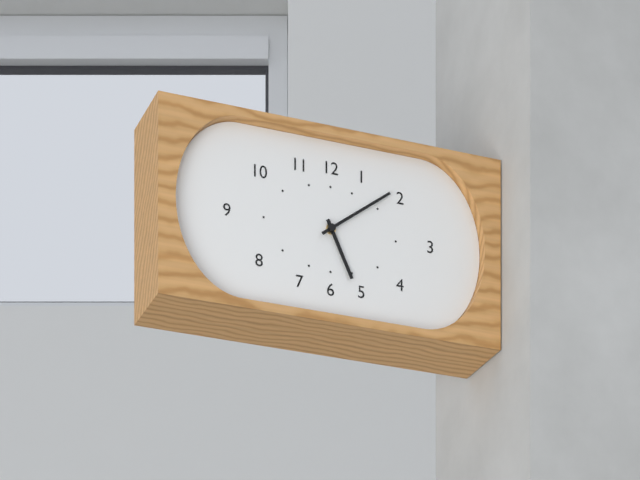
5 h 09 min
